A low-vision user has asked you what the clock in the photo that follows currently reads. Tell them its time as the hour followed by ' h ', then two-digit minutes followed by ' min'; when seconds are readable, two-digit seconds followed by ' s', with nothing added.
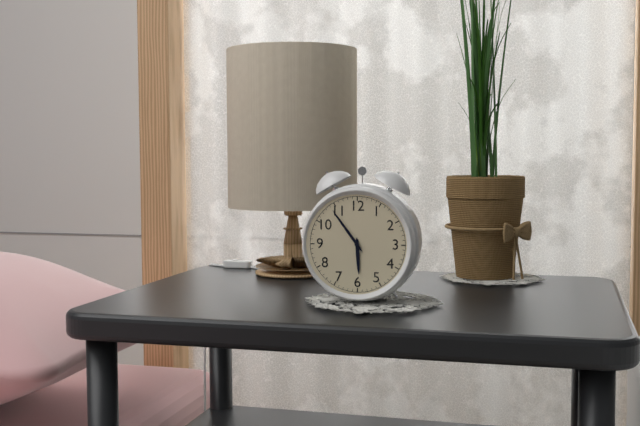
5 h 54 min
